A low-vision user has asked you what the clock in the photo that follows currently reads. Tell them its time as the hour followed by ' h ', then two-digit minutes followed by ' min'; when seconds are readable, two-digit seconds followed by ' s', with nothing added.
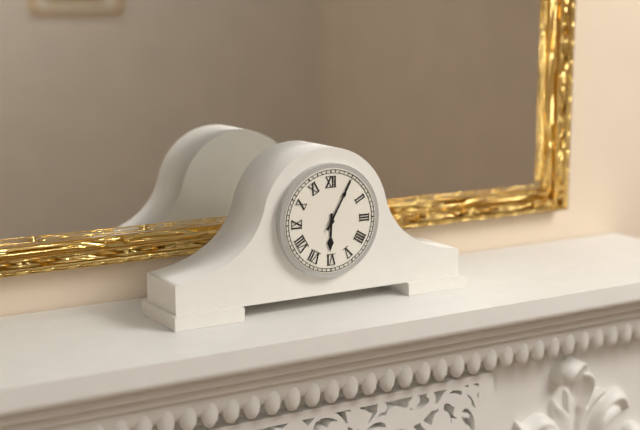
6 h 05 min
